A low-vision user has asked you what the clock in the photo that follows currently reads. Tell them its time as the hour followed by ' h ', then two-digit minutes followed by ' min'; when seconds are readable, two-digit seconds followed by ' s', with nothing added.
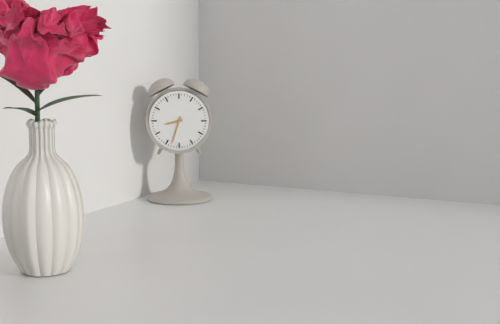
8 h 33 min
